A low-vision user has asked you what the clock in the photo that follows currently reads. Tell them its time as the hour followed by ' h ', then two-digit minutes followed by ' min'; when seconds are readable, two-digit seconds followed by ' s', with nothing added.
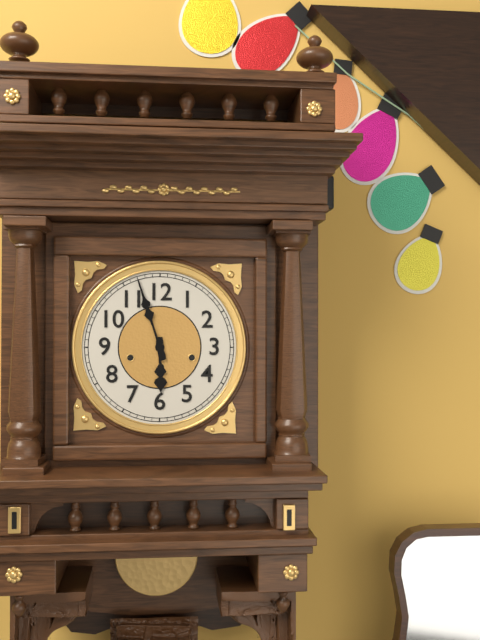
5 h 57 min
